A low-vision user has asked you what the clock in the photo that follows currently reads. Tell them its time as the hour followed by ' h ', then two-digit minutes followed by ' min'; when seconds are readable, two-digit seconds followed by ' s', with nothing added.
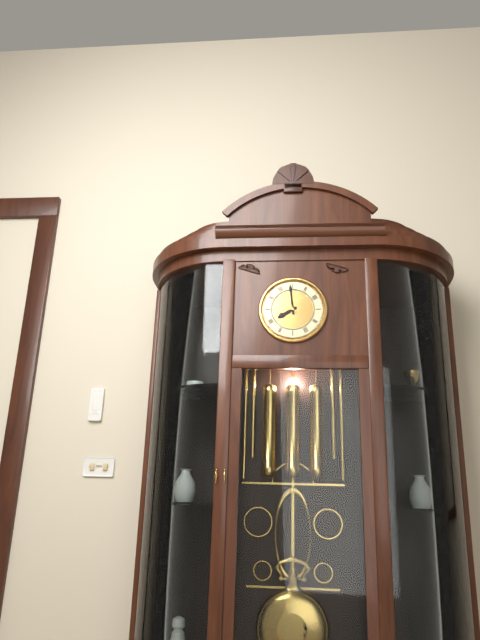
7 h 59 min
